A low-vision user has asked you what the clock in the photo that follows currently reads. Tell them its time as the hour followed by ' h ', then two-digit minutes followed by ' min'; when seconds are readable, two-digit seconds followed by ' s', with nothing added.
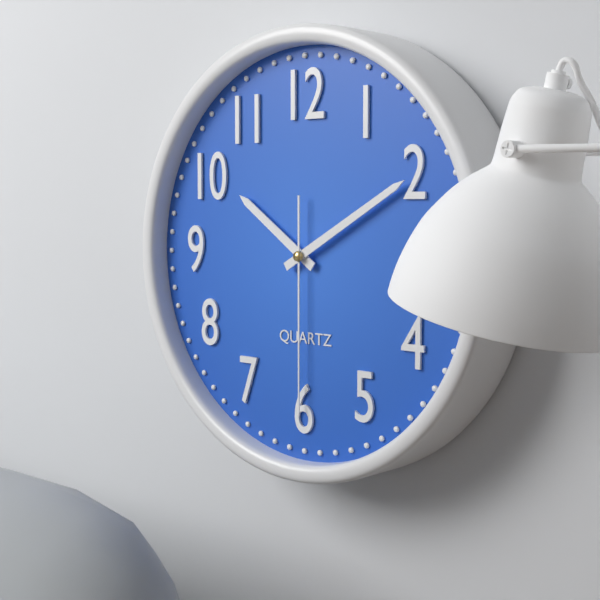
10 h 10 min 30 s
